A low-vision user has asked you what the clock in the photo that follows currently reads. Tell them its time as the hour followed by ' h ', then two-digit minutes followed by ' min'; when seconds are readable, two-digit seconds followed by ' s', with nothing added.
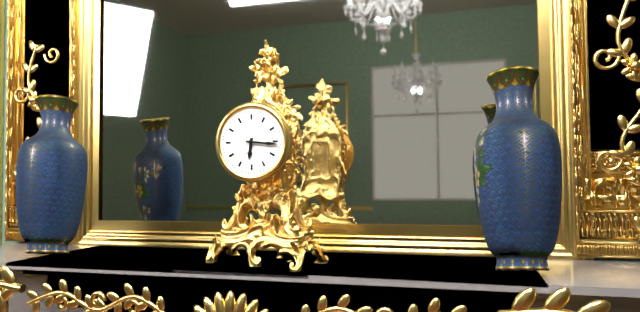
6 h 16 min
